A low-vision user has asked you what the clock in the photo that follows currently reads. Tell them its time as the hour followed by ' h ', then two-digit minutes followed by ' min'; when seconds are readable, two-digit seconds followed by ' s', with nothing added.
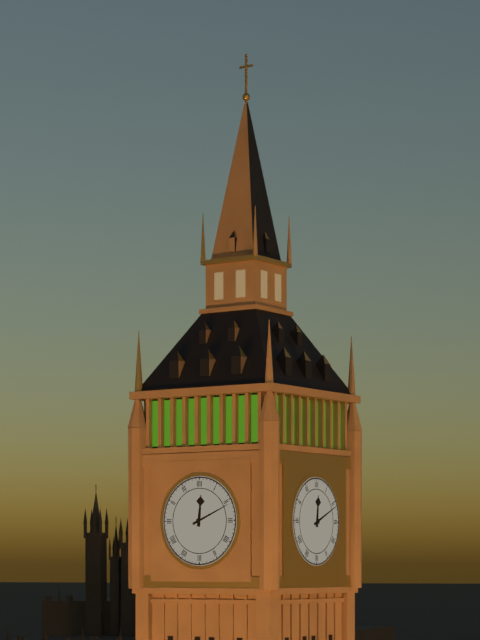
12 h 11 min
